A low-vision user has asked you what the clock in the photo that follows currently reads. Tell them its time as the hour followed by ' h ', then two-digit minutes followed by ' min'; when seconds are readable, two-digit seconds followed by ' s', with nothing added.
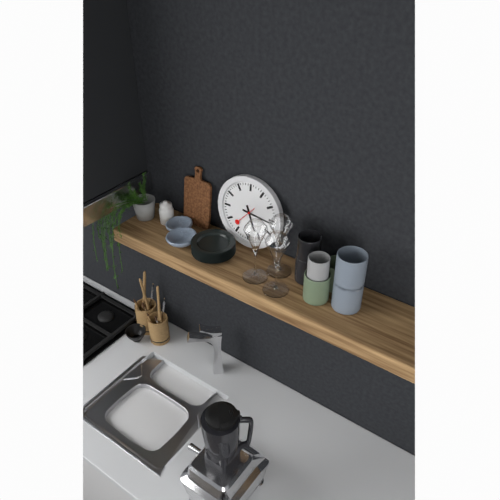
5 h 16 min
